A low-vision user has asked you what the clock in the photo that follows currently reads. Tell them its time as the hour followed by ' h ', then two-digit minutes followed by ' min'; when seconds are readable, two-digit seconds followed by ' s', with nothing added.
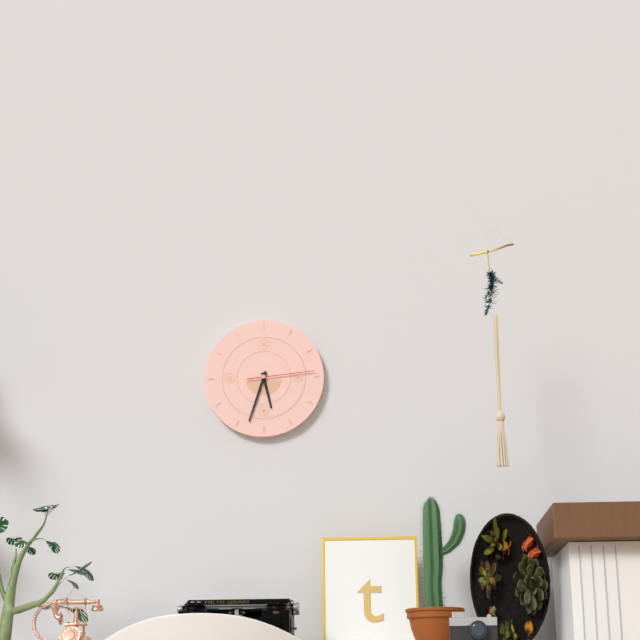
5 h 33 min 14 s
